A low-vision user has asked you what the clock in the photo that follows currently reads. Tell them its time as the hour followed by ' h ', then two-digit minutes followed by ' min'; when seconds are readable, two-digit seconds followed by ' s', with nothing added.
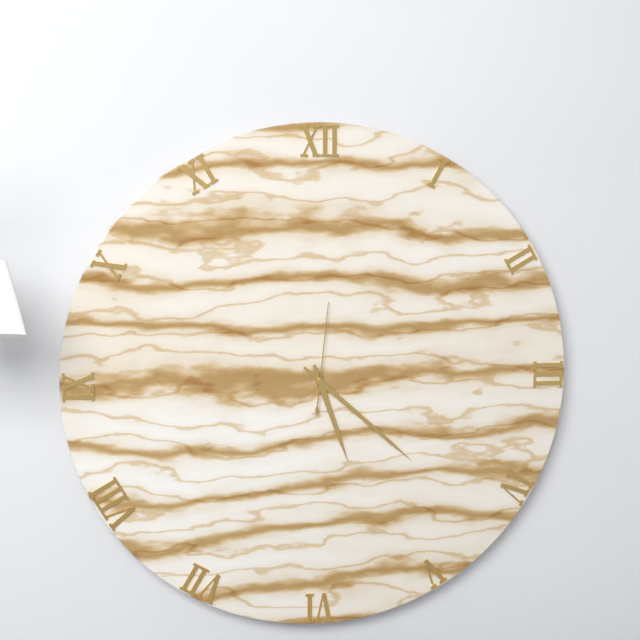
5 h 22 min 01 s
